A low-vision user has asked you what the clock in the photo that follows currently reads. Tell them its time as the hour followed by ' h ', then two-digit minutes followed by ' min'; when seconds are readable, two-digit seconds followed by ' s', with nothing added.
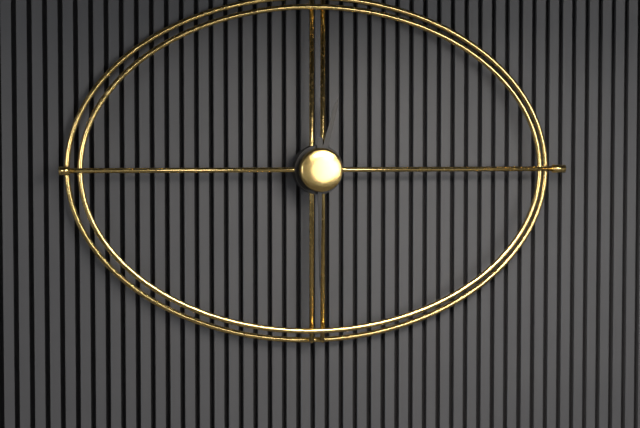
12 h 30 min
